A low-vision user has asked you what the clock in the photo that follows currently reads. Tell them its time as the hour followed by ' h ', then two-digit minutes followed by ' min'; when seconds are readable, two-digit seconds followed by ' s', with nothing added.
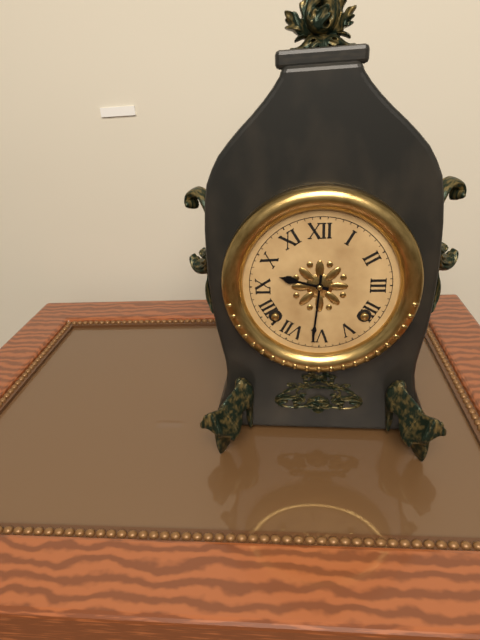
9 h 31 min
